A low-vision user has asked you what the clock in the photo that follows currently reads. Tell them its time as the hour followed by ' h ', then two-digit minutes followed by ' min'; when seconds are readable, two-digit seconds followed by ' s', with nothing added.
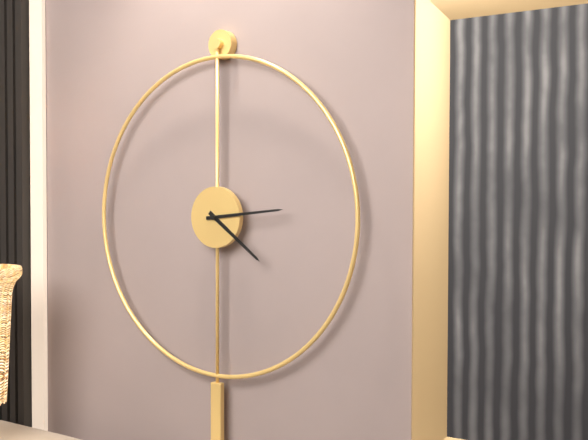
4 h 14 min
